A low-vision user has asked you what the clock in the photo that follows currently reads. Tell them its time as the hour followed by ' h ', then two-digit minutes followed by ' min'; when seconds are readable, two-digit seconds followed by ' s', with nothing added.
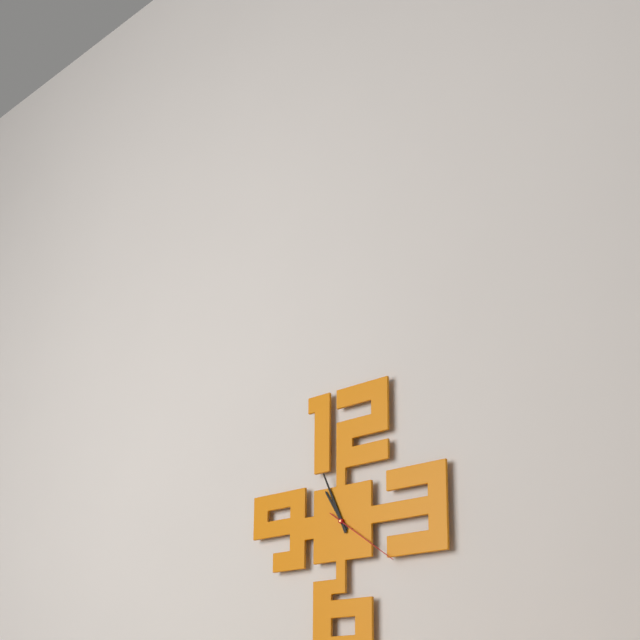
10 h 56 min 21 s
